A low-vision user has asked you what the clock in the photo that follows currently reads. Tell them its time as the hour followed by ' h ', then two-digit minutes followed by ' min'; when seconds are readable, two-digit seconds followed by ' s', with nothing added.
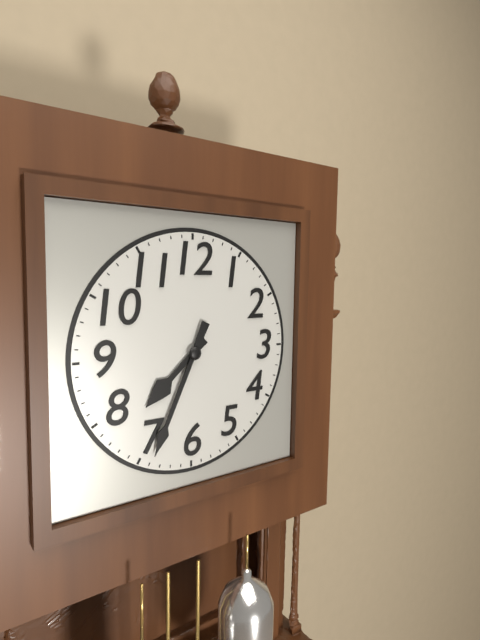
7 h 34 min
